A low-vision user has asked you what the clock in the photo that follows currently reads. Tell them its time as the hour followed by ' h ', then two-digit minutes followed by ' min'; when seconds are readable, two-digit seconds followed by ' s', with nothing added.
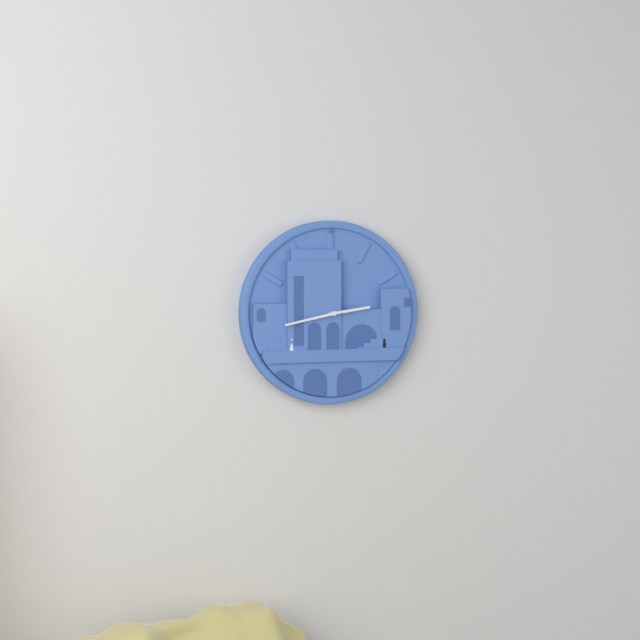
2 h 43 min
